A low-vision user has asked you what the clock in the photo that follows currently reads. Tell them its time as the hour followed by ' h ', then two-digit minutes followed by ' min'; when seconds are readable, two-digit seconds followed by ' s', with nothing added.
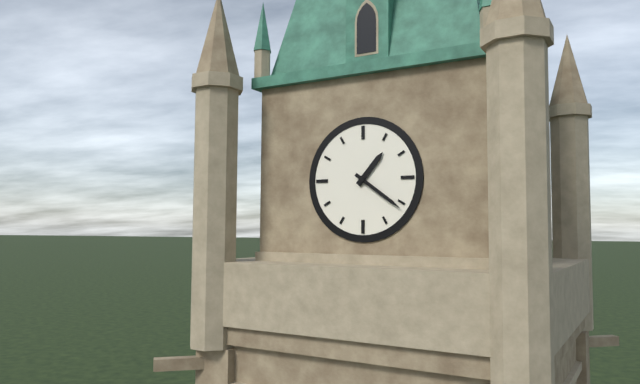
1 h 21 min
